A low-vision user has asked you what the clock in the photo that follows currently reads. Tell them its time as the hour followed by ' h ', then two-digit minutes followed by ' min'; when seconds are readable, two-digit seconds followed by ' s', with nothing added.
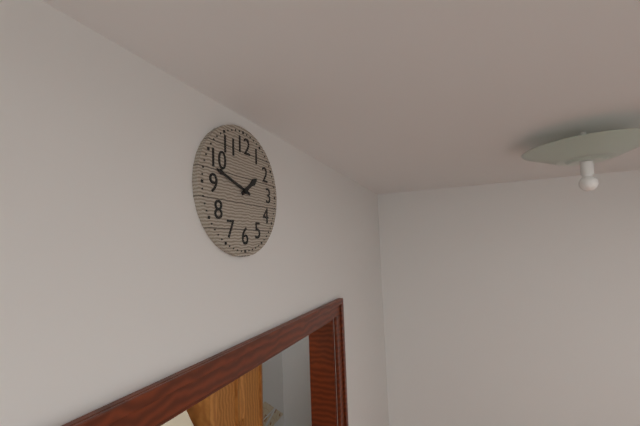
1 h 48 min
